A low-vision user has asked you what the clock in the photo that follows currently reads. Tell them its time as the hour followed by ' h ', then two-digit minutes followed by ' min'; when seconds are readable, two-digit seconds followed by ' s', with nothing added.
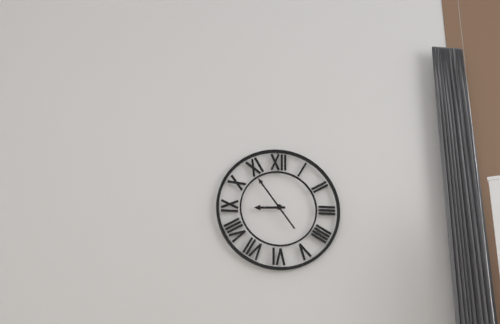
8 h 54 min
